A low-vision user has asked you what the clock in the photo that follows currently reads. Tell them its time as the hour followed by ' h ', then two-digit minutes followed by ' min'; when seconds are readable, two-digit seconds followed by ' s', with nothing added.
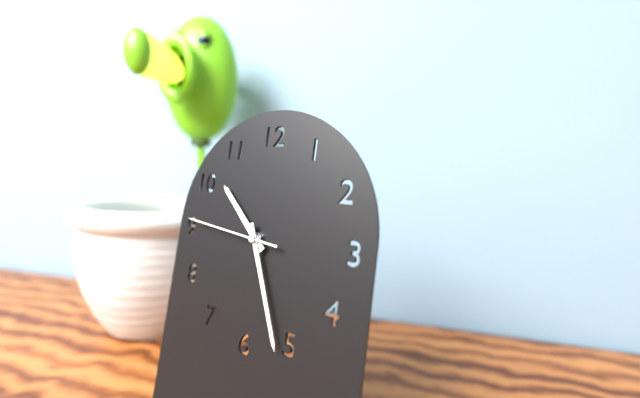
10 h 26 min 46 s
